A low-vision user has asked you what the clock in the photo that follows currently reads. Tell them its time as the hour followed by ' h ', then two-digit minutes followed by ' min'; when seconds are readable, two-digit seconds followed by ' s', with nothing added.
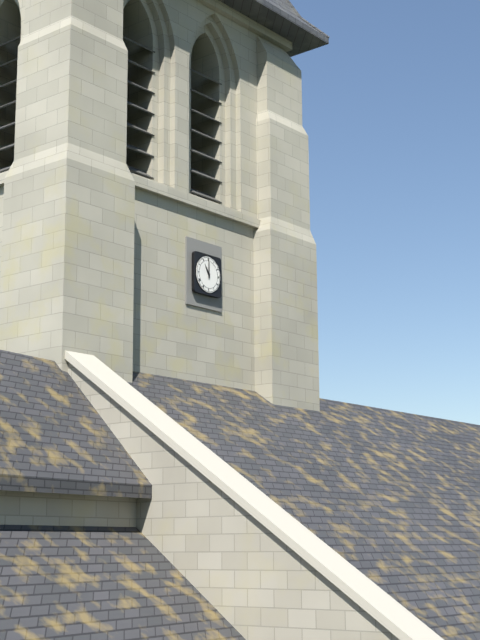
11 h 00 min
